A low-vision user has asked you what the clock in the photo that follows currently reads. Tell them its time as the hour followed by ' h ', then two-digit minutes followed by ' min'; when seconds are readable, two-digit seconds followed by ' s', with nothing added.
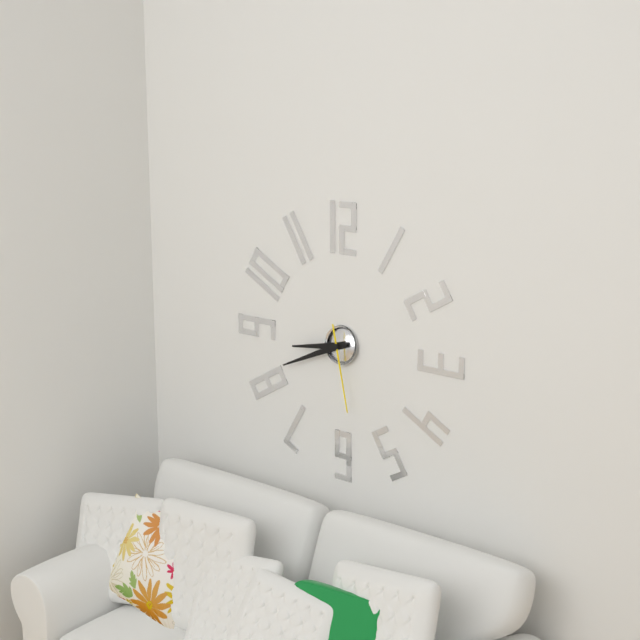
8 h 41 min 28 s
